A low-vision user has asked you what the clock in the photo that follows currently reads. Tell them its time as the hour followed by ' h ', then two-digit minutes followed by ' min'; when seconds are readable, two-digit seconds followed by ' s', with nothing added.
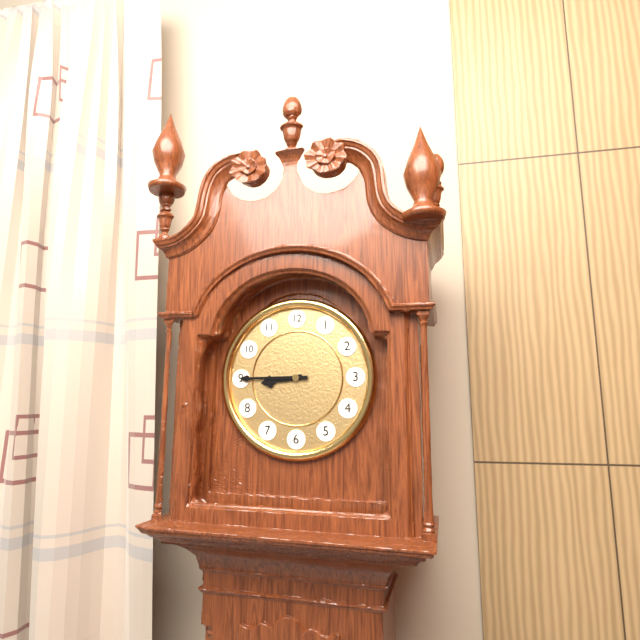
8 h 45 min
